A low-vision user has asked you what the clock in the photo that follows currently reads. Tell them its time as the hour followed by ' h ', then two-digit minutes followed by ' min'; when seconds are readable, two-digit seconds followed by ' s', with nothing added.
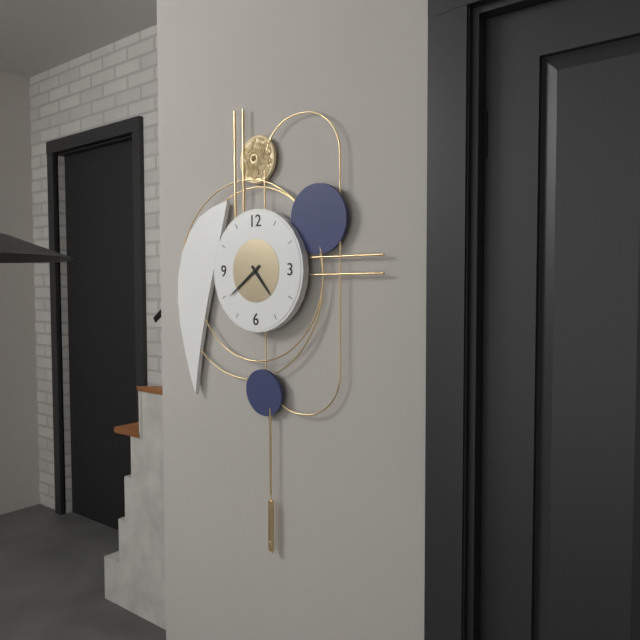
4 h 39 min
